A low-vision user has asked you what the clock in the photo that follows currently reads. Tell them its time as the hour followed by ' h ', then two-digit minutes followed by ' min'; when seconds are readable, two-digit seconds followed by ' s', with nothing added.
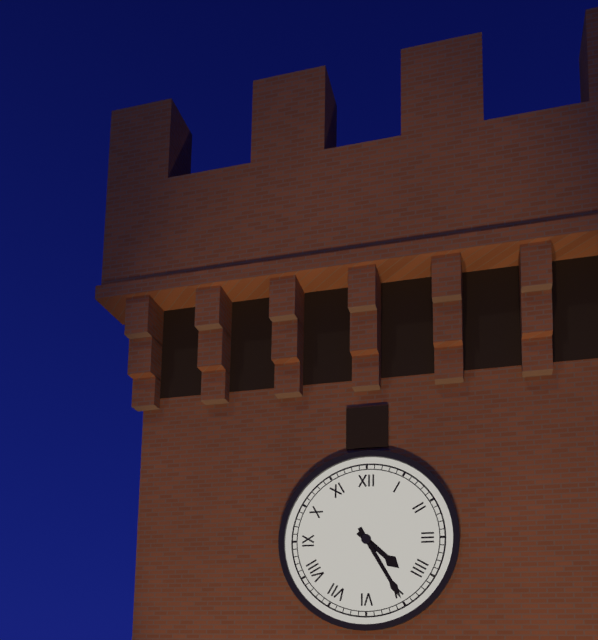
4 h 25 min
